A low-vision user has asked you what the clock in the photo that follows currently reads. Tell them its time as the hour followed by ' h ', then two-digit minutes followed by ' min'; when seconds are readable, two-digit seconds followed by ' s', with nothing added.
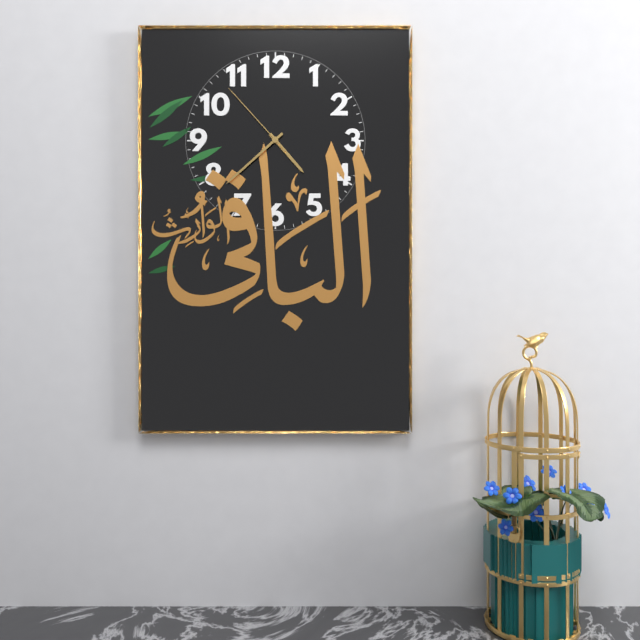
4 h 38 min 53 s
